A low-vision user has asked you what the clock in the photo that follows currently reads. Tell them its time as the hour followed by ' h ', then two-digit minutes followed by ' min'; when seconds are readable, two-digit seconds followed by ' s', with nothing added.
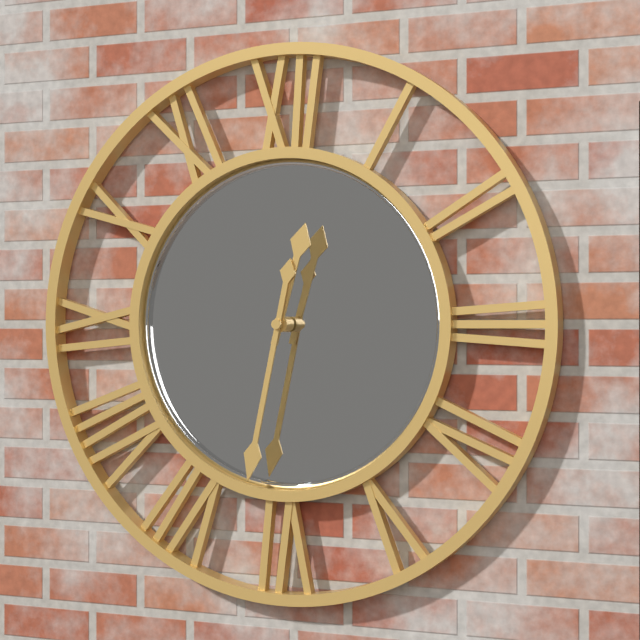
12 h 32 min
